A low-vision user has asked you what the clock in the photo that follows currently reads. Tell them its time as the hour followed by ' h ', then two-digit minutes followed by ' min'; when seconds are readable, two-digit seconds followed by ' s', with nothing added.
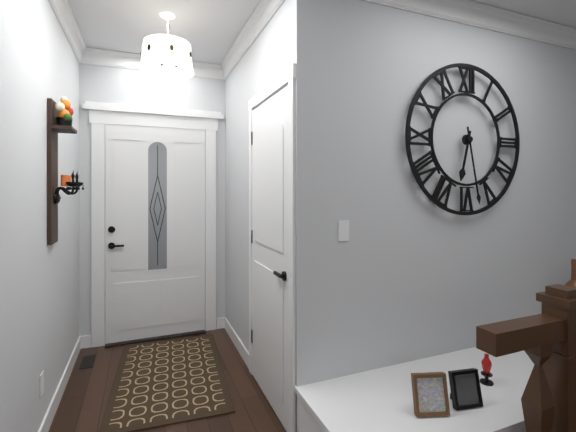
6 h 28 min
